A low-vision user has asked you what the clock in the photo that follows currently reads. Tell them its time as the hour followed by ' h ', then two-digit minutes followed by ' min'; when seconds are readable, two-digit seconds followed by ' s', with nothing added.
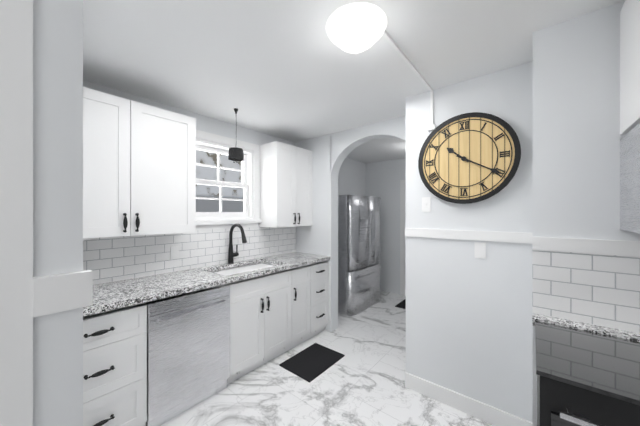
10 h 20 min
